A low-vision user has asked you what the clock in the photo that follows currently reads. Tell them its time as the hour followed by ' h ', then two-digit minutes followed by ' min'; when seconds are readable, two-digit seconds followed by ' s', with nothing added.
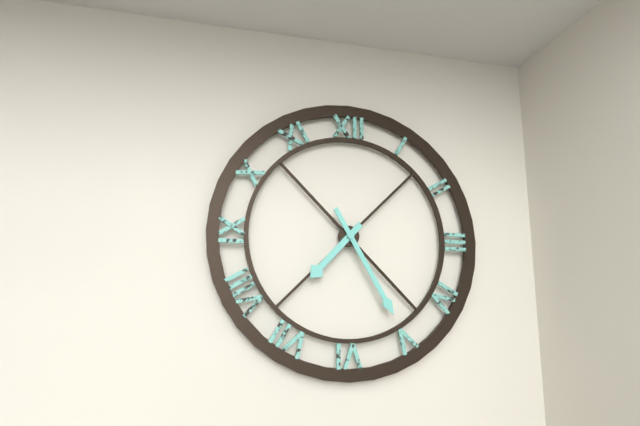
7 h 25 min
